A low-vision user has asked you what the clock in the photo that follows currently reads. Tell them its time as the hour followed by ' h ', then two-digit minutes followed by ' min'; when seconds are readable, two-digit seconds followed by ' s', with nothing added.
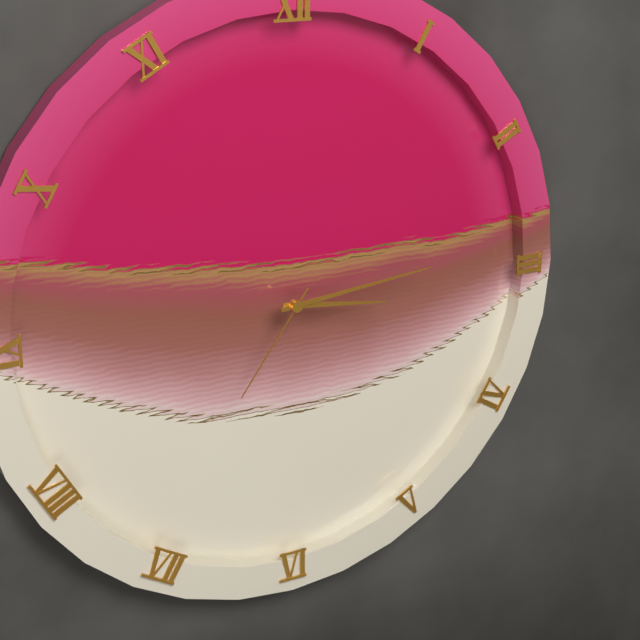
3 h 14 min 36 s
